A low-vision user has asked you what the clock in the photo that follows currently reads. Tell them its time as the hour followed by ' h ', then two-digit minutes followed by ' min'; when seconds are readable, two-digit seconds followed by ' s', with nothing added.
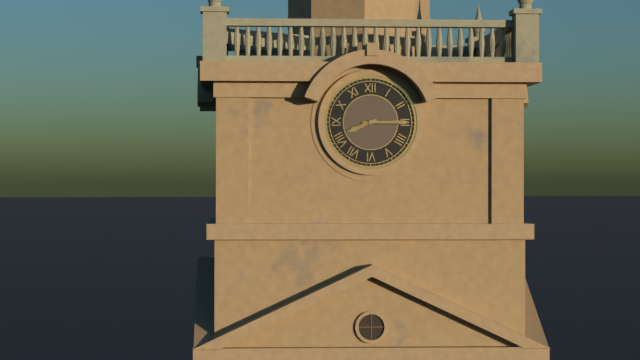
8 h 15 min
